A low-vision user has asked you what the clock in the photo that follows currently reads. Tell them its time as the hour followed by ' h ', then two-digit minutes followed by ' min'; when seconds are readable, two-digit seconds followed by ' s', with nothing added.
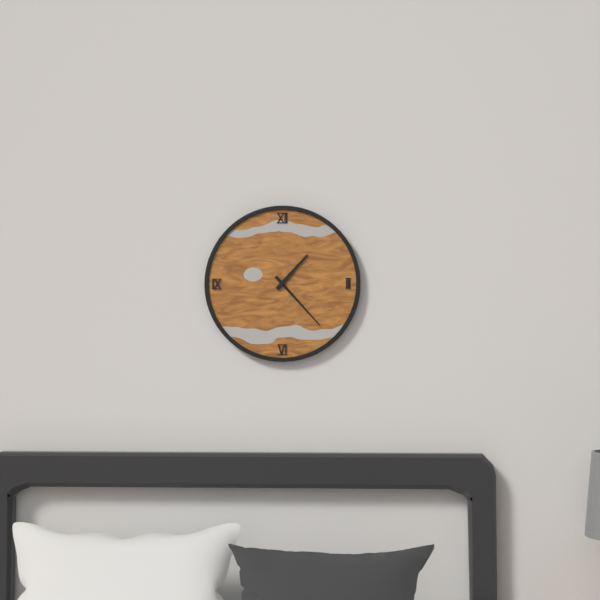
1 h 23 min
